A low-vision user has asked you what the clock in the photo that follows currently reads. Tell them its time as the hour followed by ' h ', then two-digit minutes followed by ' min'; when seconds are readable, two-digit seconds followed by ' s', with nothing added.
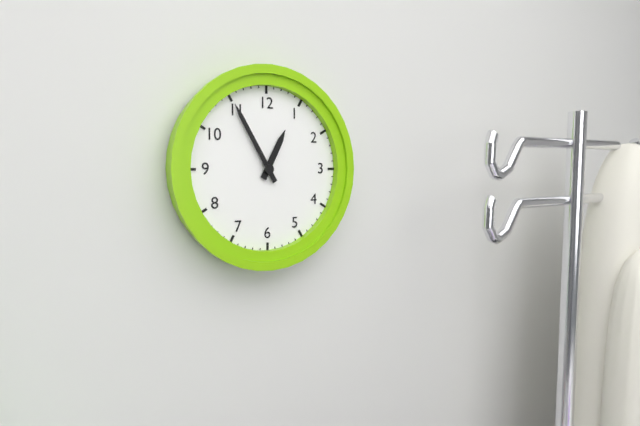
12 h 55 min
